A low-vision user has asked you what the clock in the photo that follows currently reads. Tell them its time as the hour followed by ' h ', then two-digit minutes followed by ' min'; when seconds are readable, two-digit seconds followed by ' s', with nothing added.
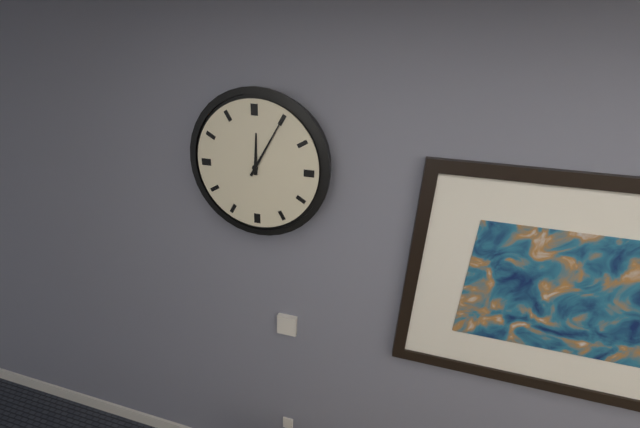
12 h 05 min
